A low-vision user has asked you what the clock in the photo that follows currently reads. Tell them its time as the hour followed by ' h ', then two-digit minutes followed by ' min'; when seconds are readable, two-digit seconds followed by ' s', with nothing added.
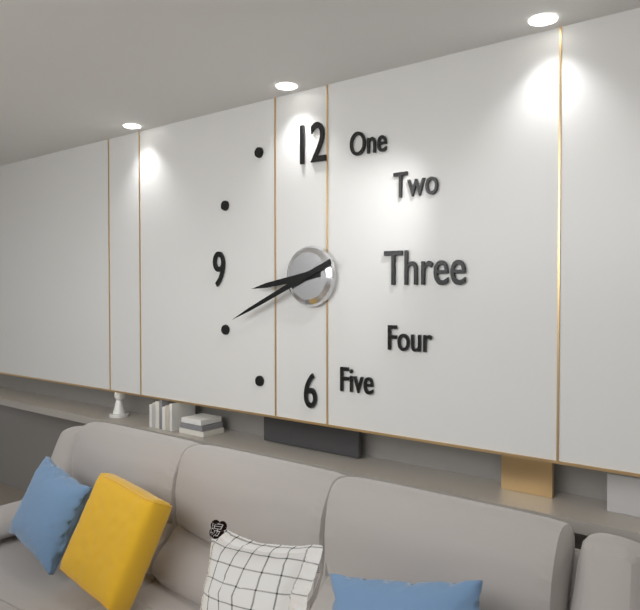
8 h 41 min
